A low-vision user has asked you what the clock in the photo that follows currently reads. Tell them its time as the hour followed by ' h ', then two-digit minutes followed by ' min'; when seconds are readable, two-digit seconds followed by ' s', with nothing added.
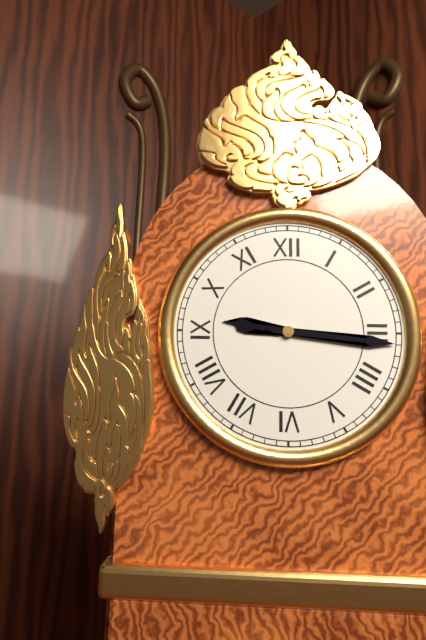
9 h 16 min
